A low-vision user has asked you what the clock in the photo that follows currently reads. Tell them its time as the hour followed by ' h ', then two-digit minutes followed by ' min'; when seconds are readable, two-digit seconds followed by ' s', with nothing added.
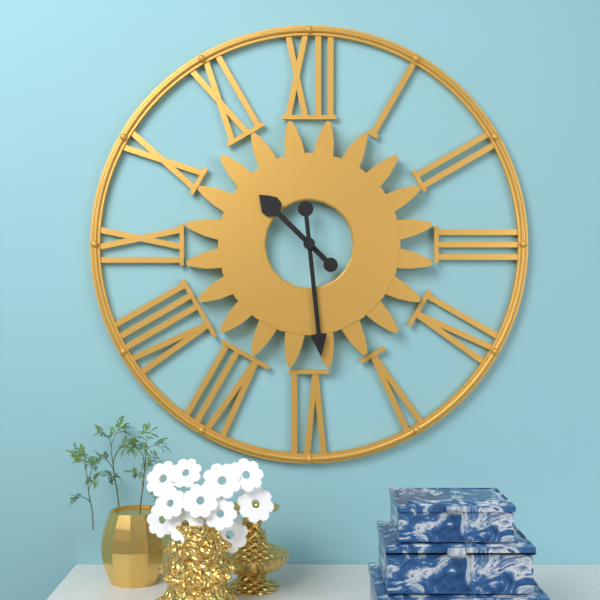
10 h 29 min
